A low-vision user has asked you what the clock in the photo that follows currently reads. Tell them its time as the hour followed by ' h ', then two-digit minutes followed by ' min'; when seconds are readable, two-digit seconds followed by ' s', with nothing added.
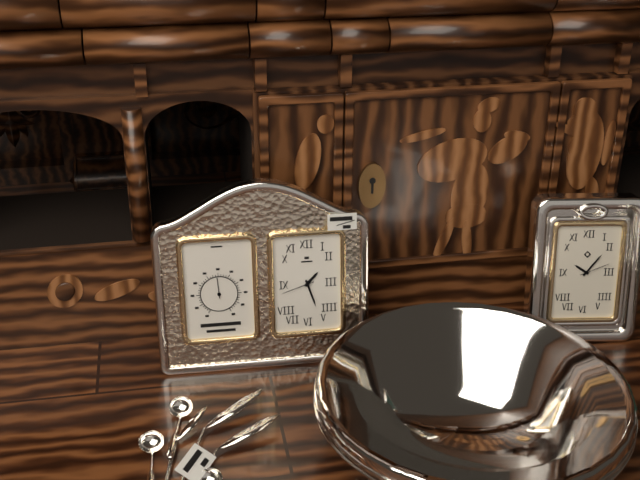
1 h 27 min
